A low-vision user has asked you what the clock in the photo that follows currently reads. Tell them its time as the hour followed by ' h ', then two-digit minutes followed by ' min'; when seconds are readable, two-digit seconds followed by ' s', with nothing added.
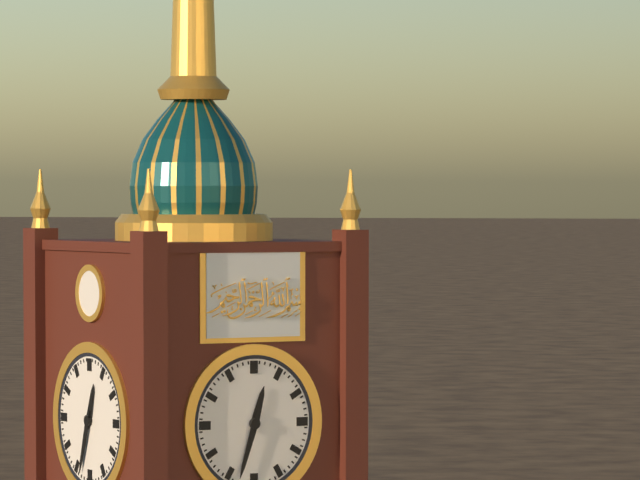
12 h 33 min
